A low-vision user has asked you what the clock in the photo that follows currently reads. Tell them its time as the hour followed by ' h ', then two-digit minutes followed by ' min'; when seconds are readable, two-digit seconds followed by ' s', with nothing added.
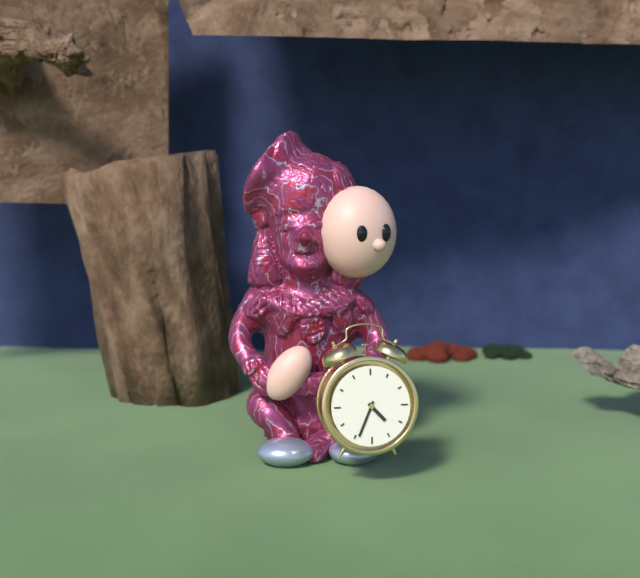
4 h 34 min
